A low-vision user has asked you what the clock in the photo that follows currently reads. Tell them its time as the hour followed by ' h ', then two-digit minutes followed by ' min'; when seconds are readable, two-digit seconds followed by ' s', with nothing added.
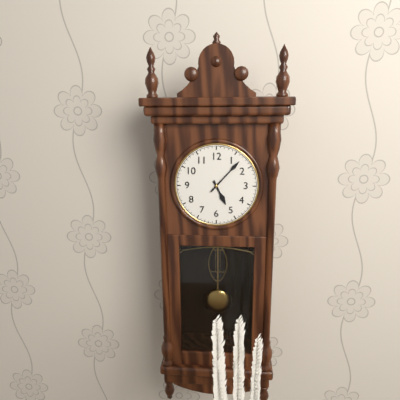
5 h 07 min
